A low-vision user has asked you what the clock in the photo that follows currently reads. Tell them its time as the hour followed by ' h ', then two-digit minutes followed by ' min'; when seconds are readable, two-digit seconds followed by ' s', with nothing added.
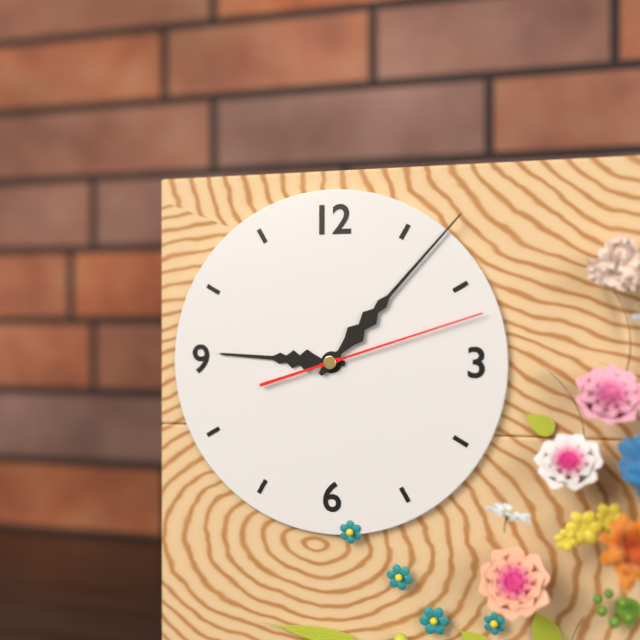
9 h 07 min 12 s
